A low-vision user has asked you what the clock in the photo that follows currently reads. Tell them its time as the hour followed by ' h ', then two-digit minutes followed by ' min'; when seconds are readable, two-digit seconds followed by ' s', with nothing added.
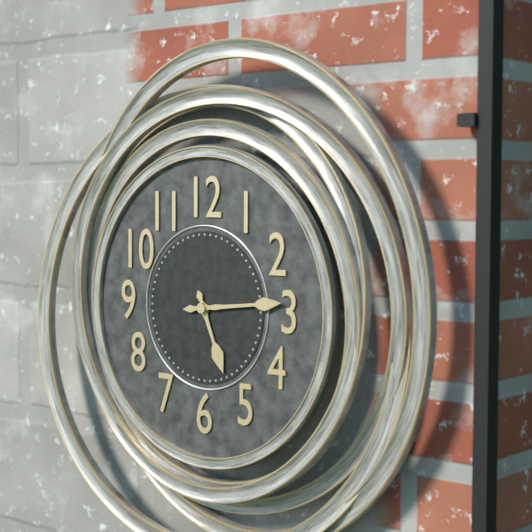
5 h 14 min
